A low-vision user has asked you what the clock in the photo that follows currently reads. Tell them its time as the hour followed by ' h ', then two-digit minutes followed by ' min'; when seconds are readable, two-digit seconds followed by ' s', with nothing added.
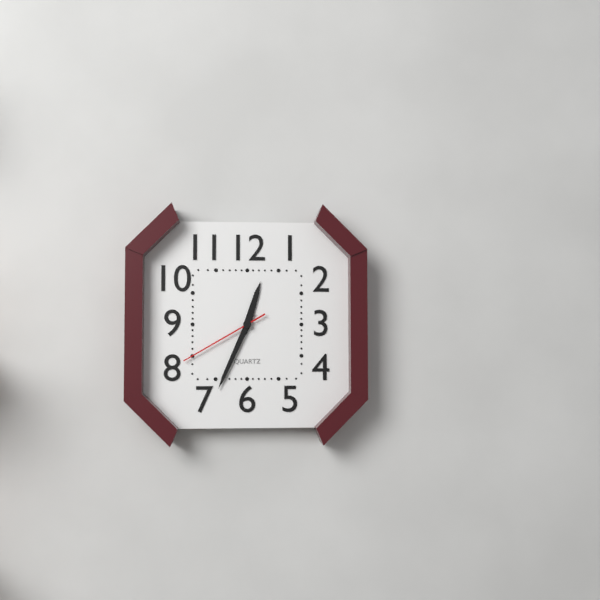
12 h 34 min 40 s
